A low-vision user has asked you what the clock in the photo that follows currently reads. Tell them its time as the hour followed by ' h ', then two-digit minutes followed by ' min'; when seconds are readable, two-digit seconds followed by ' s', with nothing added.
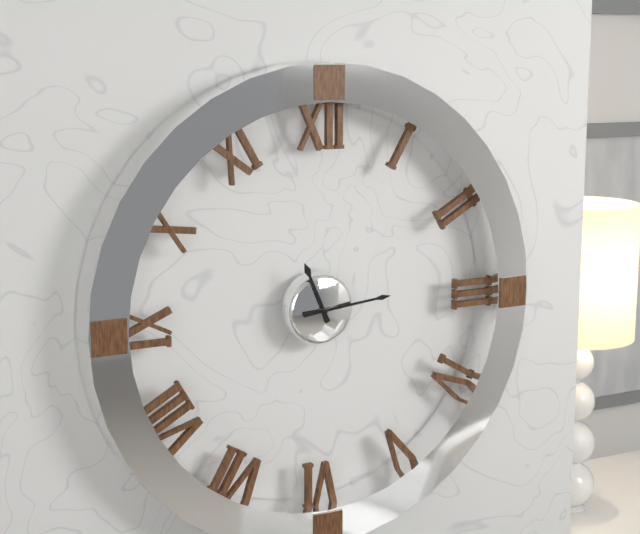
11 h 14 min
